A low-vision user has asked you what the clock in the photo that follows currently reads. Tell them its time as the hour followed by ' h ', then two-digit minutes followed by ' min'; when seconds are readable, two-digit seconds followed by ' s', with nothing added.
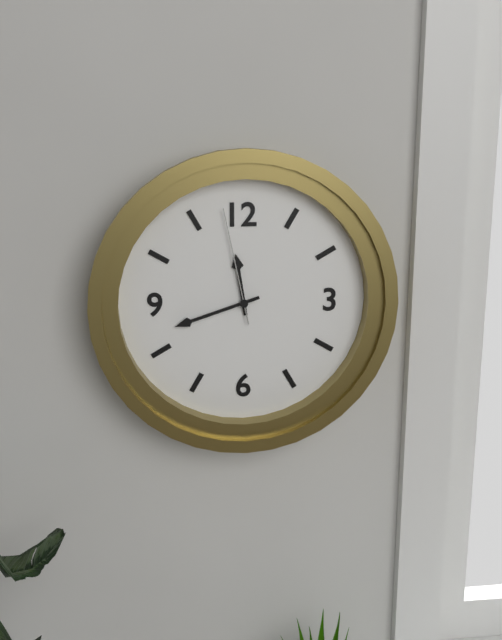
11 h 42 min 58 s
